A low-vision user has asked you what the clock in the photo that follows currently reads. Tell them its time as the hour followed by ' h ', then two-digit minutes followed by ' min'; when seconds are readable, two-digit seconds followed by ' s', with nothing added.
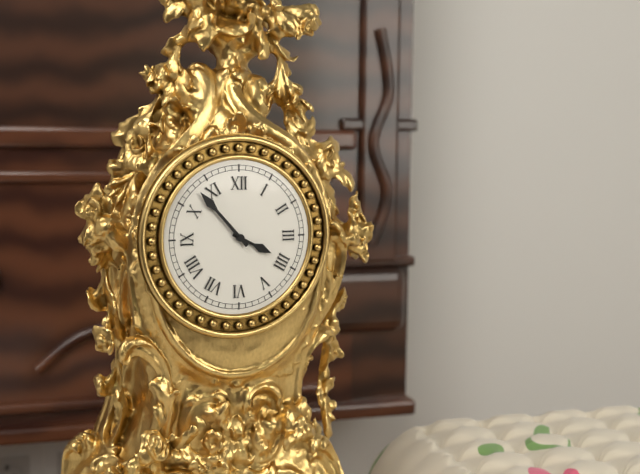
3 h 53 min
